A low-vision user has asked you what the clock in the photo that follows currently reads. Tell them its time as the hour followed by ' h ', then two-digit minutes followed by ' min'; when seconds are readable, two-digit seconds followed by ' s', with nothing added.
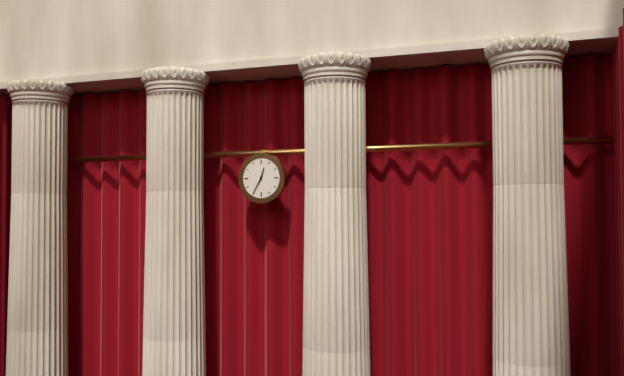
12 h 35 min
